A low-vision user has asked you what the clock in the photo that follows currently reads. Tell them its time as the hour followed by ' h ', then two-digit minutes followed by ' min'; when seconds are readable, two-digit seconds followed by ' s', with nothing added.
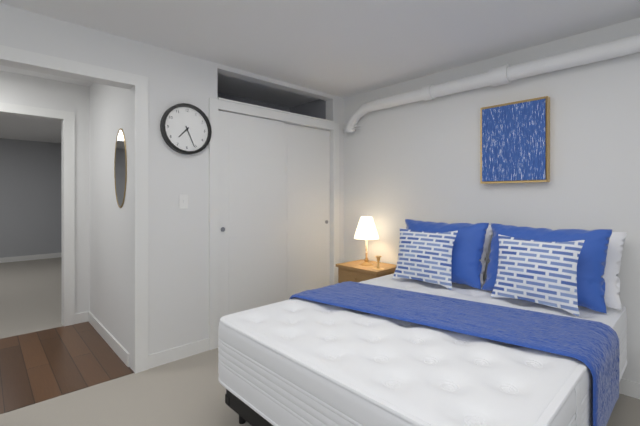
7 h 26 min
